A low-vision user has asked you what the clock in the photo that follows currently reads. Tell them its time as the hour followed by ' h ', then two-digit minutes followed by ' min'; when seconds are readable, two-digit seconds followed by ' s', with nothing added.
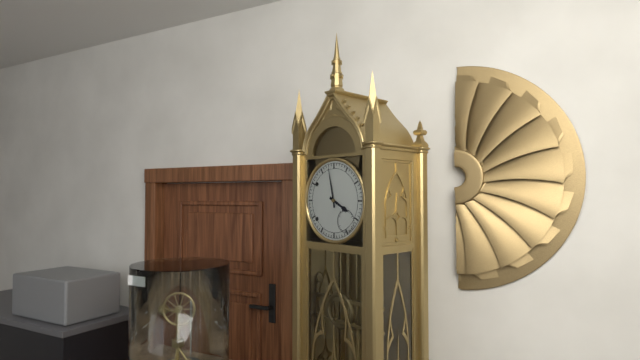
3 h 58 min
